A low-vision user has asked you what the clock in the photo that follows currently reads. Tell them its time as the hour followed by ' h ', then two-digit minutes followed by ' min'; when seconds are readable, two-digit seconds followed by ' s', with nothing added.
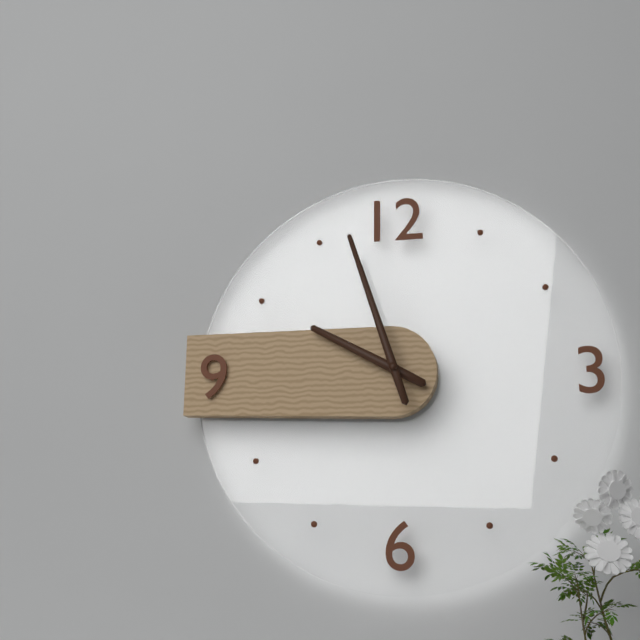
9 h 57 min
